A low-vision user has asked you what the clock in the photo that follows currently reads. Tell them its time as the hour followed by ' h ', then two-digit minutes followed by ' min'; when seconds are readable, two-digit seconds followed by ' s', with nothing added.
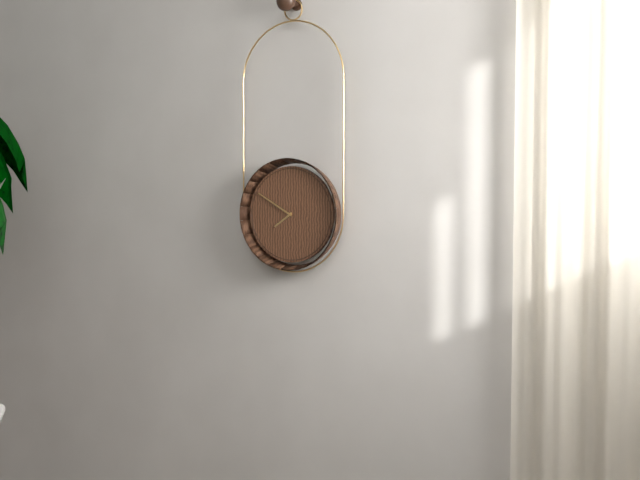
7 h 50 min
